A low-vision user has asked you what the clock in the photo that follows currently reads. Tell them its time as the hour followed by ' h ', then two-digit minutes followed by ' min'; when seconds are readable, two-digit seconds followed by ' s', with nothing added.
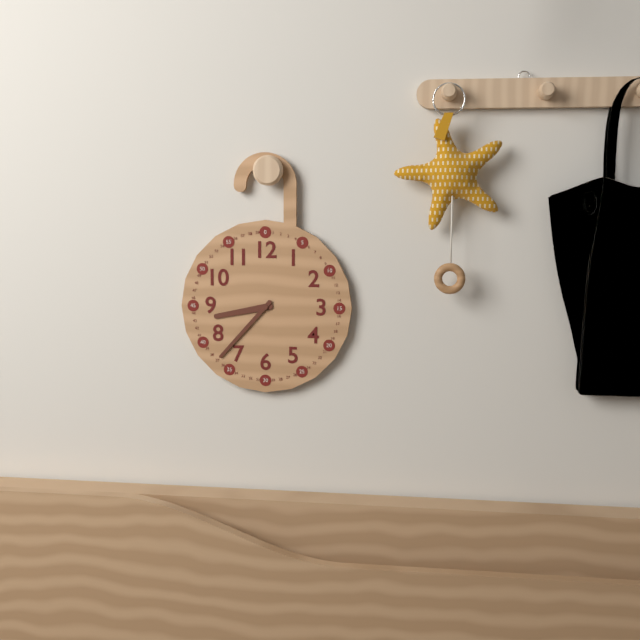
8 h 37 min
